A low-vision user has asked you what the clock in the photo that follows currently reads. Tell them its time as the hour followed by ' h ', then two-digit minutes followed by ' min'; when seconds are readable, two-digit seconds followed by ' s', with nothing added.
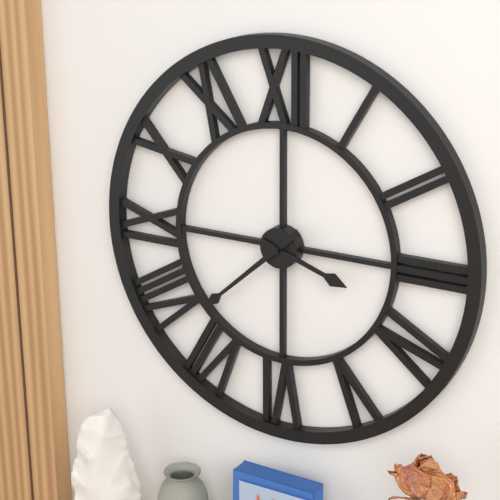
3 h 38 min
